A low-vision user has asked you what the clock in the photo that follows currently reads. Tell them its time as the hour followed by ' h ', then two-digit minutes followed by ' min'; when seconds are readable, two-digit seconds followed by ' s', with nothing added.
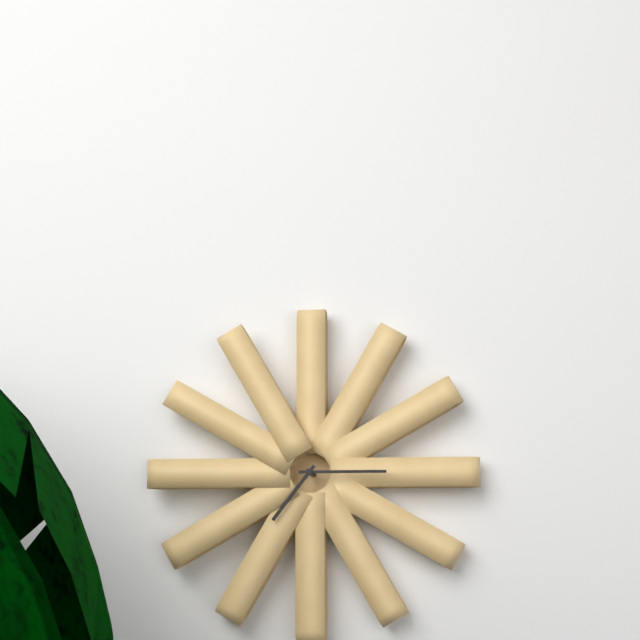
7 h 15 min
